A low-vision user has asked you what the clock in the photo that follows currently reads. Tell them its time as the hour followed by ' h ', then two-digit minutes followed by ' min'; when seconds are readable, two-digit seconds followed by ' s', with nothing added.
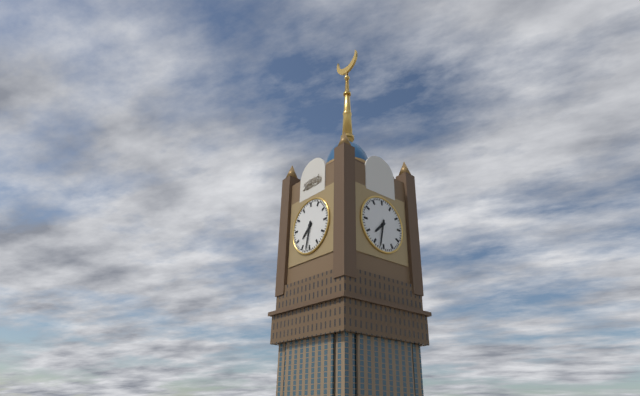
7 h 32 min
